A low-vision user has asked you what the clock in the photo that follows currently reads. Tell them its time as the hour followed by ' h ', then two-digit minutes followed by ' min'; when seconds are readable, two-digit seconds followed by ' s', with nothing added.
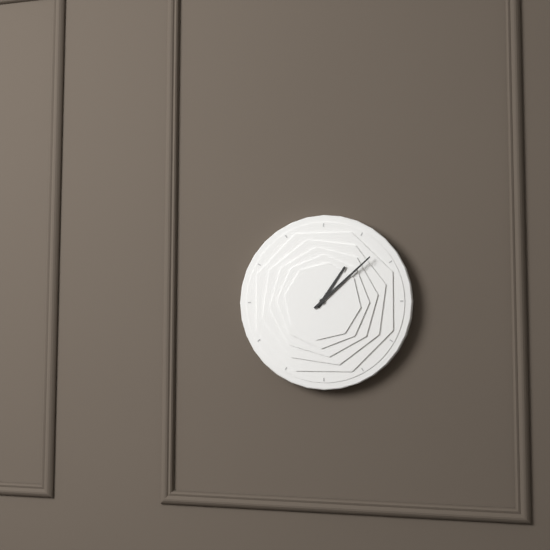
1 h 08 min
